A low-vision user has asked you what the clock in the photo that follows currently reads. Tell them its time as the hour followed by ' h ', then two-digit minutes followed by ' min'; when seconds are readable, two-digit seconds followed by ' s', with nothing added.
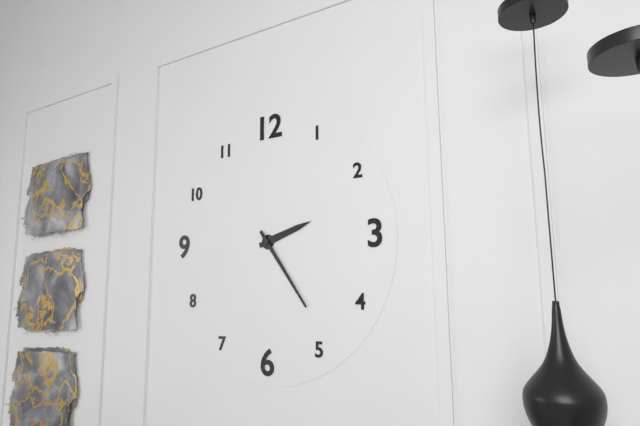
2 h 24 min
